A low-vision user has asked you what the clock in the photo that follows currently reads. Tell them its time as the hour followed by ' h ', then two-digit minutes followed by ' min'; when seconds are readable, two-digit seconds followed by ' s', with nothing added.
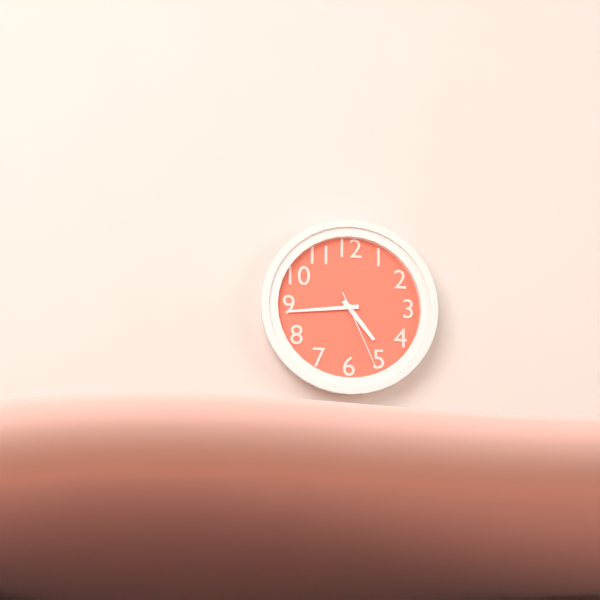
4 h 44 min 26 s
